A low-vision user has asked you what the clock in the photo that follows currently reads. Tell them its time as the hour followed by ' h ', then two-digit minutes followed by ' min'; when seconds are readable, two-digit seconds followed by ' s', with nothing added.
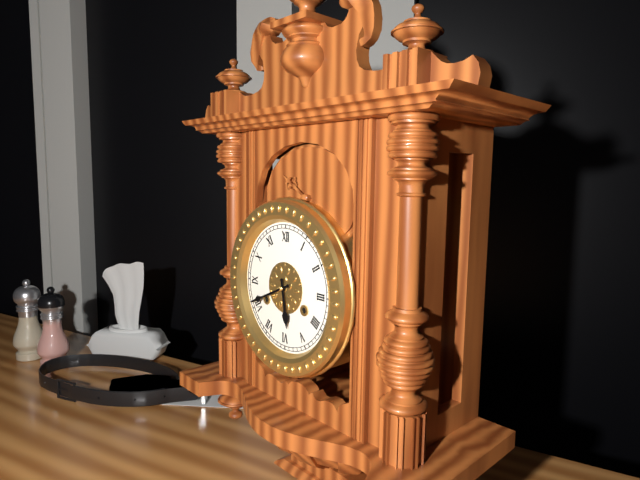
5 h 41 min
